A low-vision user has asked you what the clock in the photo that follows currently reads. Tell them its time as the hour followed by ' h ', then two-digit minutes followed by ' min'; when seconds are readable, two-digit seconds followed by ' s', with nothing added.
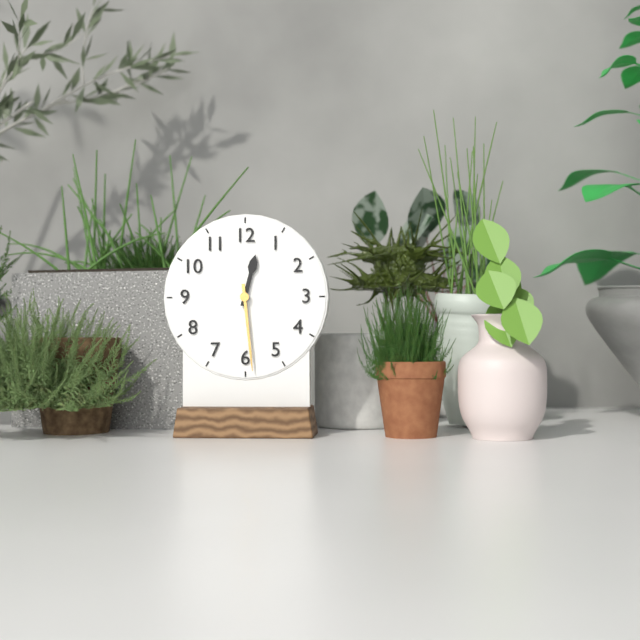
12 h 29 min
